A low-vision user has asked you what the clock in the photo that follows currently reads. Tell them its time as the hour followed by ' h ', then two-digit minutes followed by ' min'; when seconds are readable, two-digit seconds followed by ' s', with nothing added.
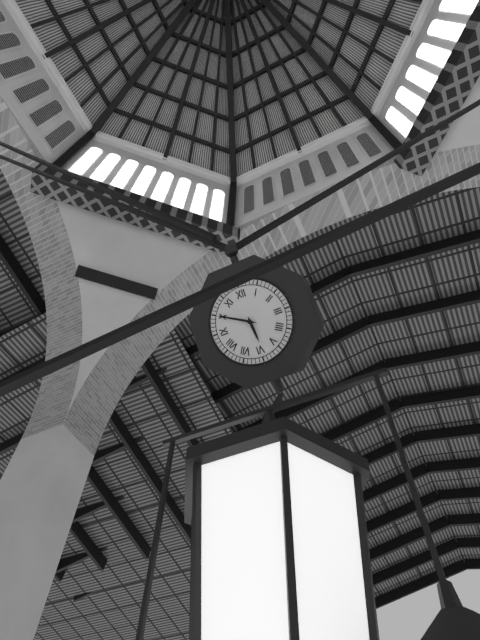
5 h 50 min
